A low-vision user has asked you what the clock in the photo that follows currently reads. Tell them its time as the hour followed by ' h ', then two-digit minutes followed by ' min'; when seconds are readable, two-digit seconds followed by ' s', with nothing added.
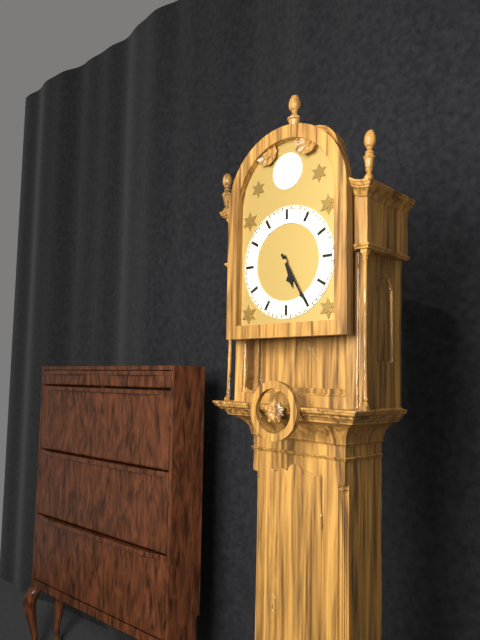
5 h 25 min
